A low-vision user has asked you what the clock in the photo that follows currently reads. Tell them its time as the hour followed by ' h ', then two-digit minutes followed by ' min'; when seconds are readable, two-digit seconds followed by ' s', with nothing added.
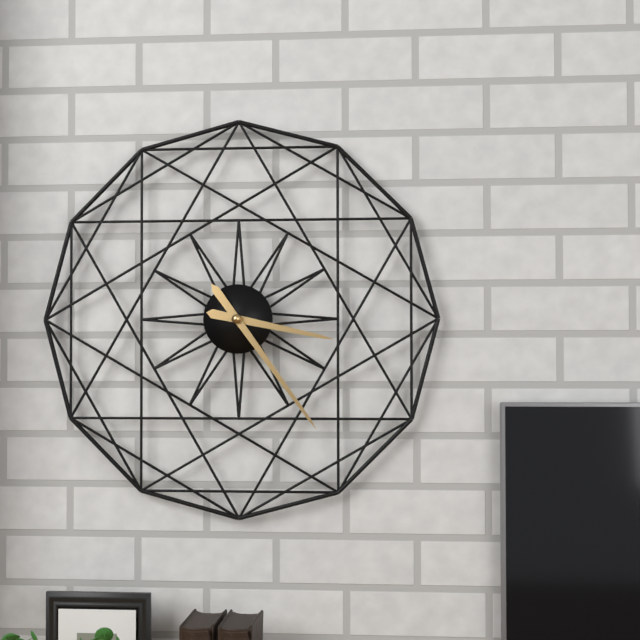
3 h 24 min
